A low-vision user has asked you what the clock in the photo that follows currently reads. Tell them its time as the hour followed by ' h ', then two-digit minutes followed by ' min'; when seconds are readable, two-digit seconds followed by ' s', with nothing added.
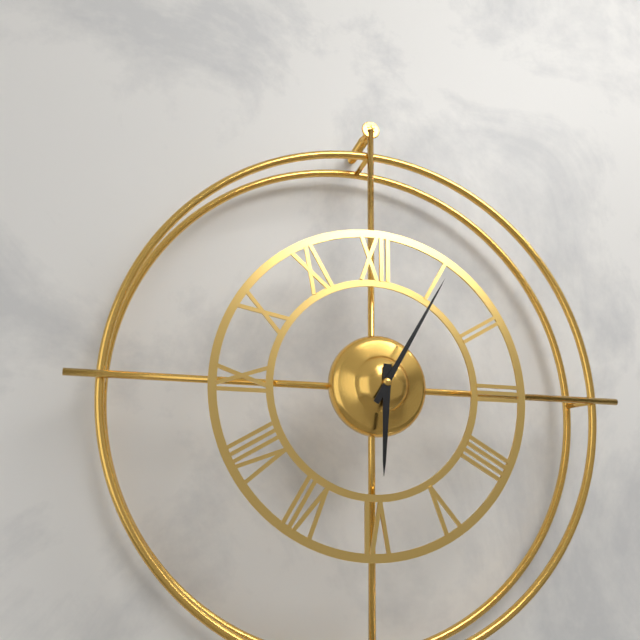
6 h 05 min
